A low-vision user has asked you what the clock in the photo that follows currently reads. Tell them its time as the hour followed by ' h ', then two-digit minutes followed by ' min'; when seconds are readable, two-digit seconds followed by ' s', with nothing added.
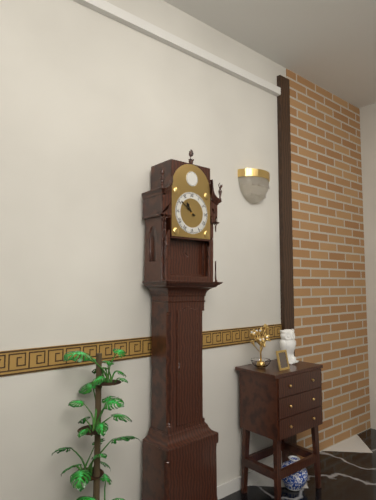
10 h 51 min
